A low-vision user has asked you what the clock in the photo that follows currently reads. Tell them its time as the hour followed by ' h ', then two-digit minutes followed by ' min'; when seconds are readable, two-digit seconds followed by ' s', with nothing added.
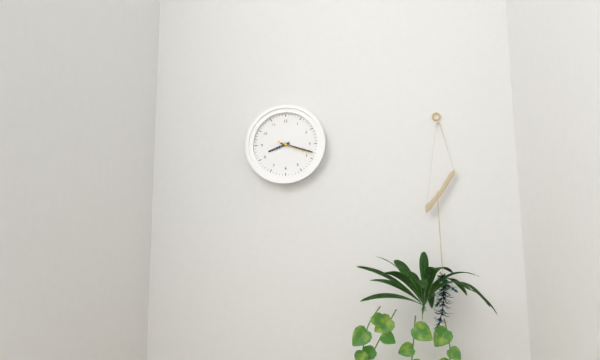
8 h 18 min
